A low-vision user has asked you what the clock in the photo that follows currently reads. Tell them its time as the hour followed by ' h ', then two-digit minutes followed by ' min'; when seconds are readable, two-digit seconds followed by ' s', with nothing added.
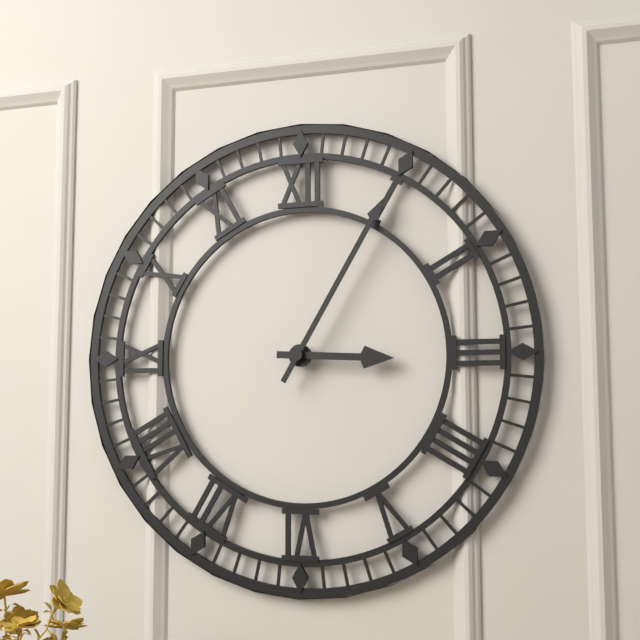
3 h 05 min
